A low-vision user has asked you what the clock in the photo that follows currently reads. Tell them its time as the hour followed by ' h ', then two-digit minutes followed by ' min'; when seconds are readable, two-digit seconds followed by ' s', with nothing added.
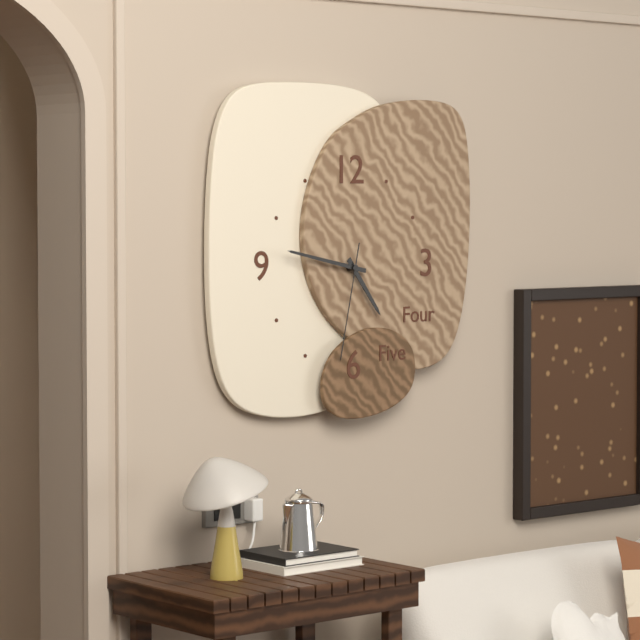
4 h 47 min 32 s
